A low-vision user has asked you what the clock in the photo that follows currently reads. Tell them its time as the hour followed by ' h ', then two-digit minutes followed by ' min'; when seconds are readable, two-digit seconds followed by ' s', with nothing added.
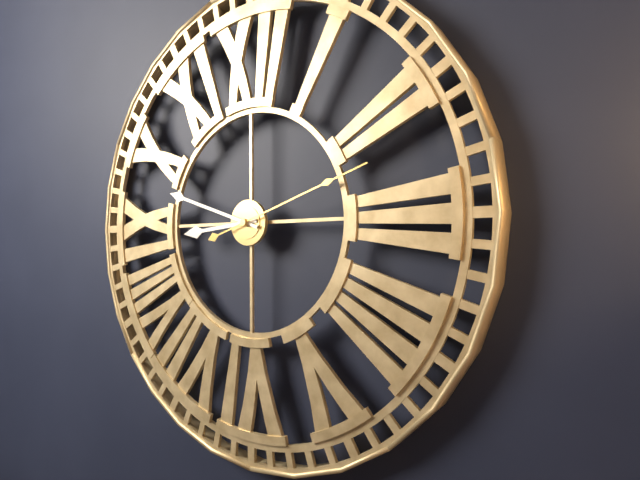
8 h 48 min 12 s
